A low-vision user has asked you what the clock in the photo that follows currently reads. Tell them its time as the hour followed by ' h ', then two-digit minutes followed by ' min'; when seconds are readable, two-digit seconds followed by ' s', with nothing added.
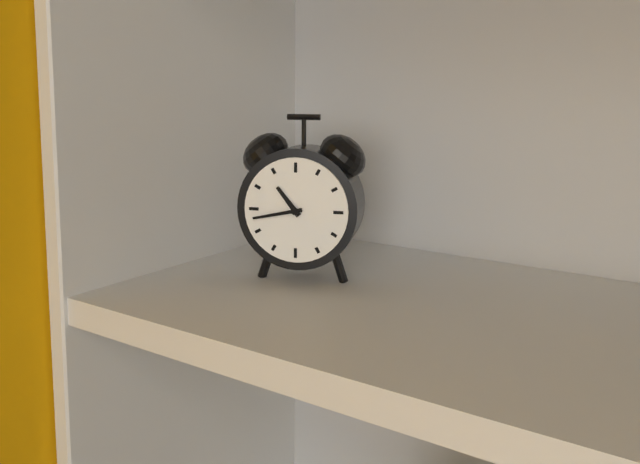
10 h 43 min
